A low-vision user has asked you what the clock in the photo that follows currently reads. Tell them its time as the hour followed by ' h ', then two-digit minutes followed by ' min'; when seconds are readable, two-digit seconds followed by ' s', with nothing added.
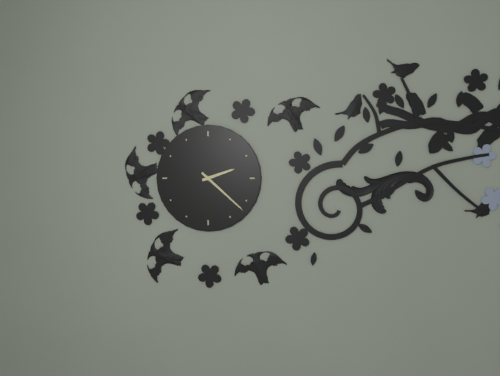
2 h 22 min
